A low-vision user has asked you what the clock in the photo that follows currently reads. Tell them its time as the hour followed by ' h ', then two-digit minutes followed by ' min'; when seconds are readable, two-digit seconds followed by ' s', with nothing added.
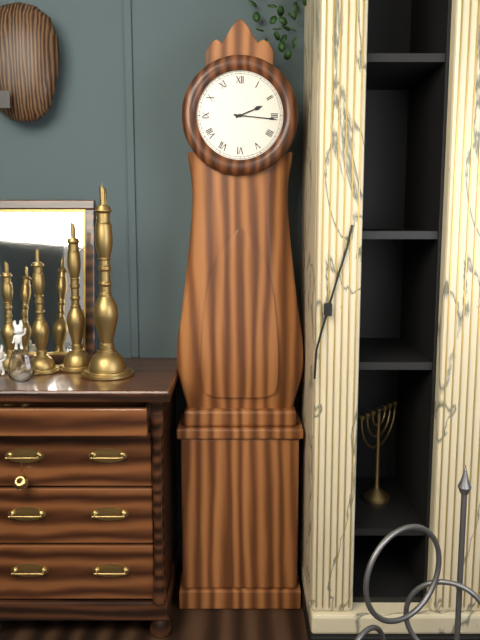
2 h 16 min
